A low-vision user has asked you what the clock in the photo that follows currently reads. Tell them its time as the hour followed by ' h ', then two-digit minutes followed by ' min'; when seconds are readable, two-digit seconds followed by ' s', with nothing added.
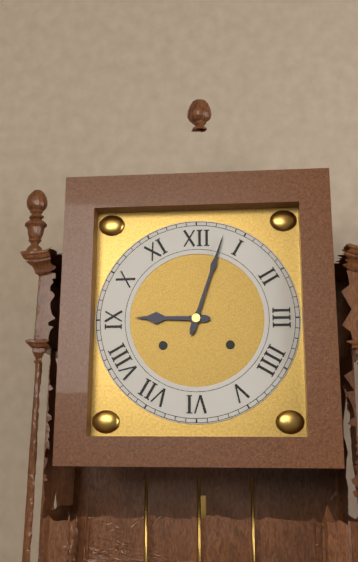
9 h 03 min
